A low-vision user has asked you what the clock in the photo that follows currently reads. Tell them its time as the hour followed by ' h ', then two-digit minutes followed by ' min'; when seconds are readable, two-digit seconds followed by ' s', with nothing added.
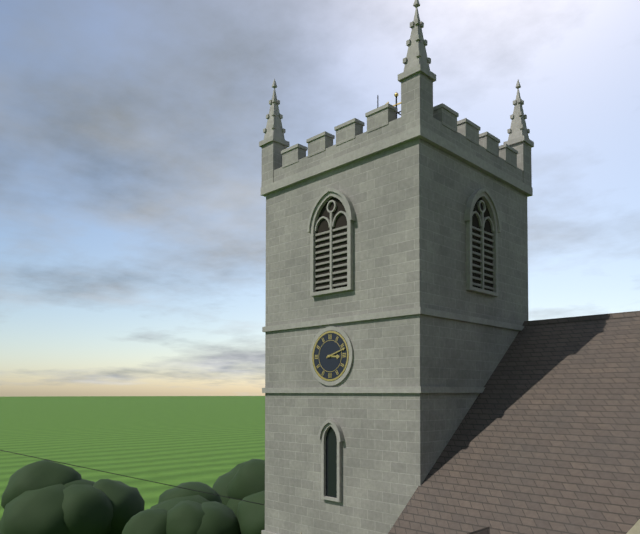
3 h 12 min
